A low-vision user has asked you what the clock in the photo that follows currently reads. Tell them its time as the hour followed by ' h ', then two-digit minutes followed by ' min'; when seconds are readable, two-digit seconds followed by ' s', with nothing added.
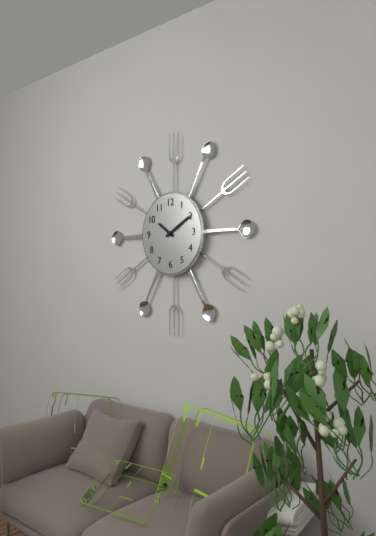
10 h 10 min
